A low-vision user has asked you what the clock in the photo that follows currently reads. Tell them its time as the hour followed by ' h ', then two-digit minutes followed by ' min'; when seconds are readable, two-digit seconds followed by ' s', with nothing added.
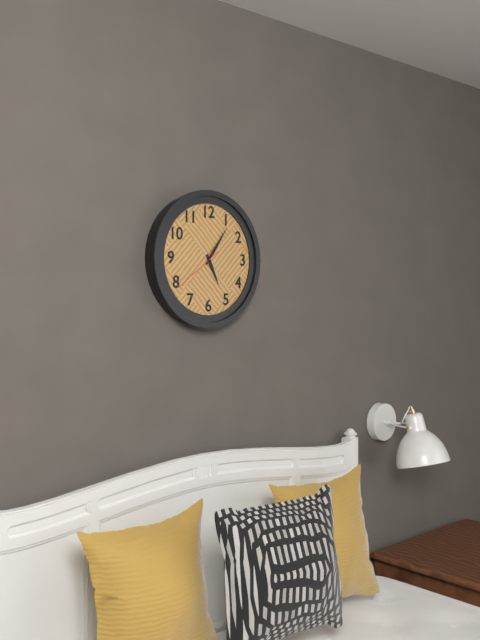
5 h 06 min 39 s
